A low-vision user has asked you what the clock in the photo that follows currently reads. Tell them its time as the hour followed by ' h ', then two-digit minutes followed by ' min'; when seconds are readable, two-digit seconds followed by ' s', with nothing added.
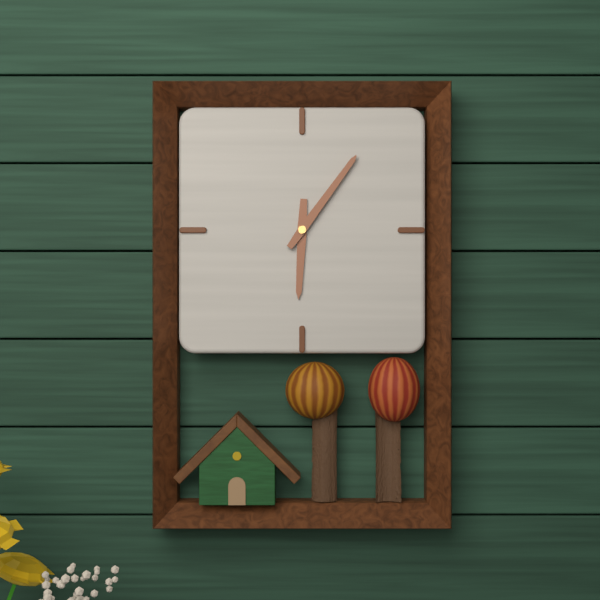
6 h 06 min
